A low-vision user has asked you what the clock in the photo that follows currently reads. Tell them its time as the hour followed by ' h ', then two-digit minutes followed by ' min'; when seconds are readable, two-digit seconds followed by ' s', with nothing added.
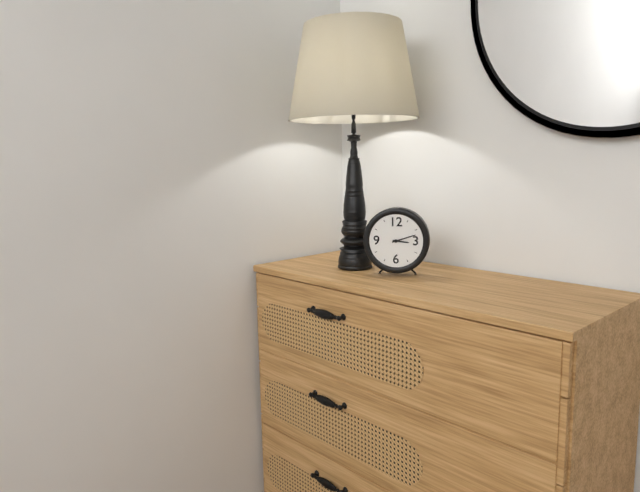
3 h 12 min
